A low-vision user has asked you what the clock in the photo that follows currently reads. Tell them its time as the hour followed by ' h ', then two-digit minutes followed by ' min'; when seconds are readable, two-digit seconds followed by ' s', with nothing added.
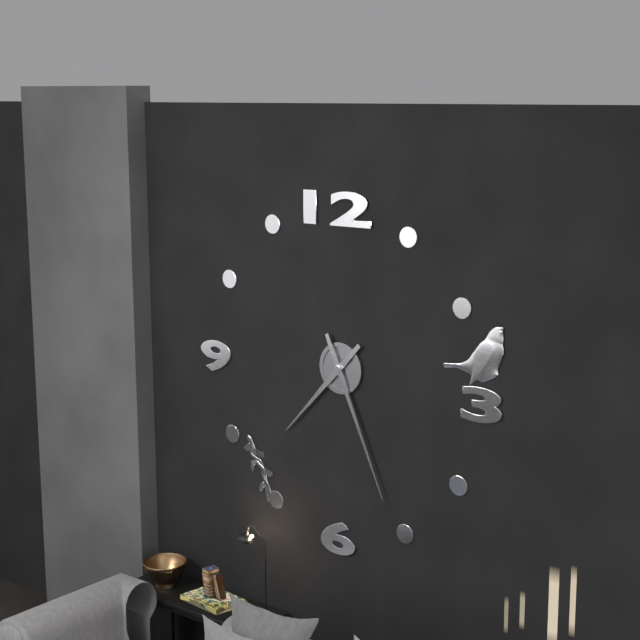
7 h 26 min
